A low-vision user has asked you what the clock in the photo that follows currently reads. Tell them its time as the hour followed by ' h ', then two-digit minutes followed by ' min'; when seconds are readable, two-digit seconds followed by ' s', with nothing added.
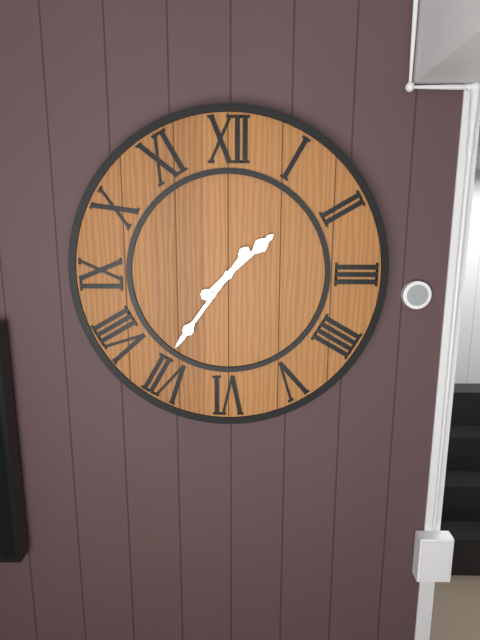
1 h 36 min
